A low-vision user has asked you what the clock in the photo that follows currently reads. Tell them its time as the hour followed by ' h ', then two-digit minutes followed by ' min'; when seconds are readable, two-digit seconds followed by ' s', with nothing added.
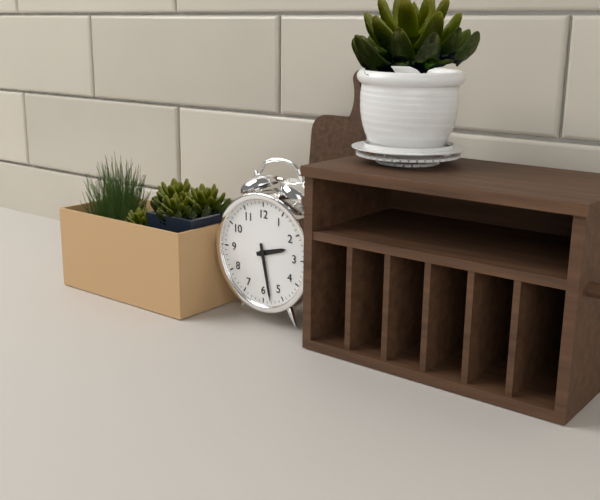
2 h 28 min
